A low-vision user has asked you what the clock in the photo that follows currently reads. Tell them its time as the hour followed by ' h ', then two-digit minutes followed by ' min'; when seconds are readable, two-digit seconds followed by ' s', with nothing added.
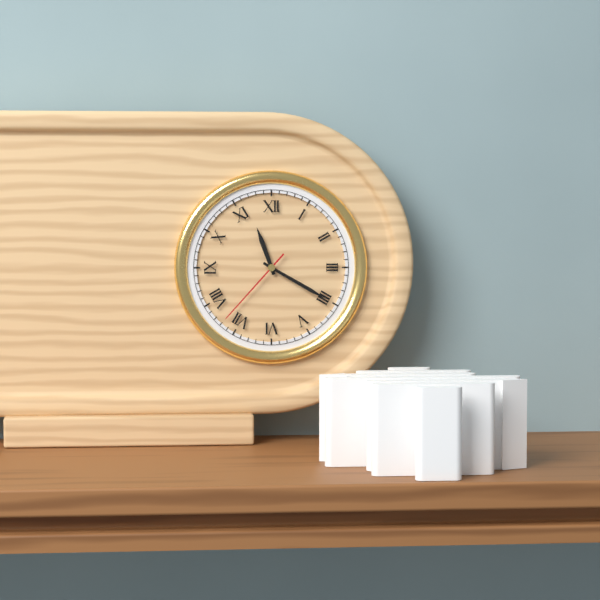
11 h 20 min 37 s
